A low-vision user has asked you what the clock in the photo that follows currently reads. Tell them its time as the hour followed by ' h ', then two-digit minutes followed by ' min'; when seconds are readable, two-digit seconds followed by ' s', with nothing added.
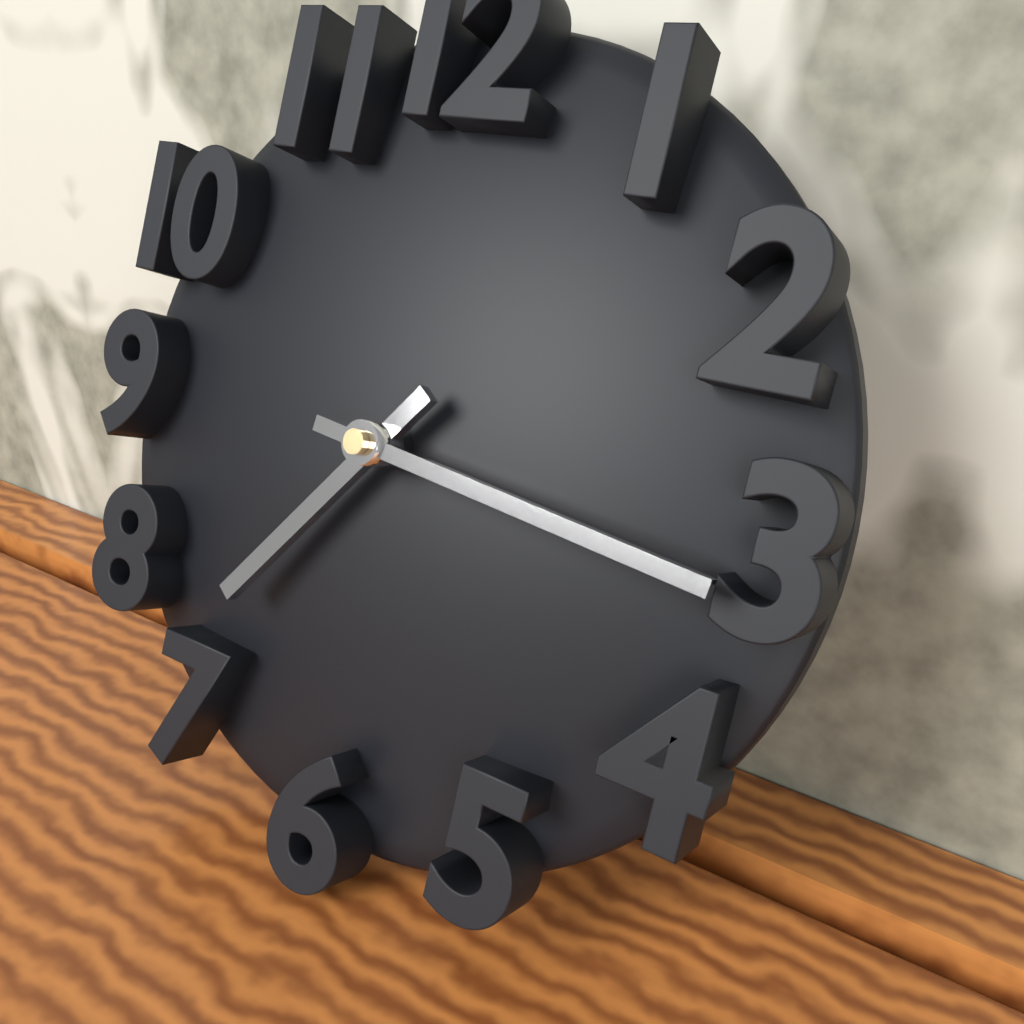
7 h 16 min
